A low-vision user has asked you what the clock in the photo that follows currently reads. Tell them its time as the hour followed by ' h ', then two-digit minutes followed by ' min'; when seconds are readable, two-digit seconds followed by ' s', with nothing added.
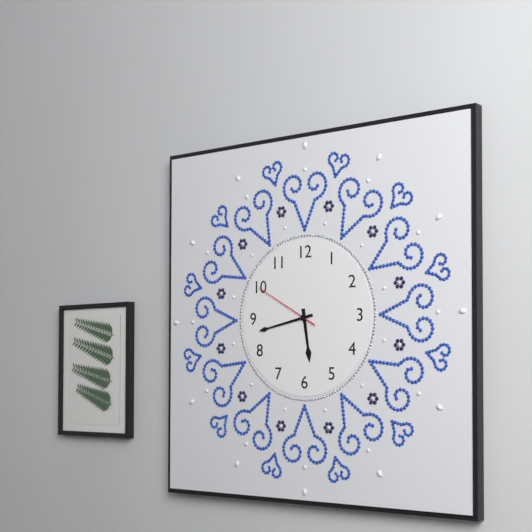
5 h 43 min 50 s
